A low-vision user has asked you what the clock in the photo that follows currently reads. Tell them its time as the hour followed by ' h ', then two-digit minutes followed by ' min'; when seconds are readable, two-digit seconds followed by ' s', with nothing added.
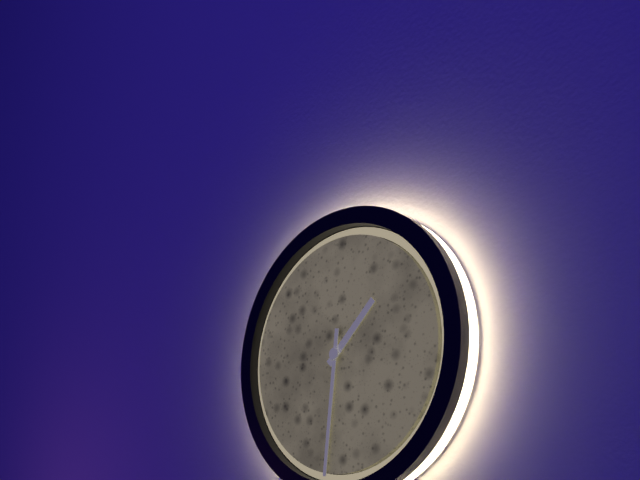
1 h 31 min
